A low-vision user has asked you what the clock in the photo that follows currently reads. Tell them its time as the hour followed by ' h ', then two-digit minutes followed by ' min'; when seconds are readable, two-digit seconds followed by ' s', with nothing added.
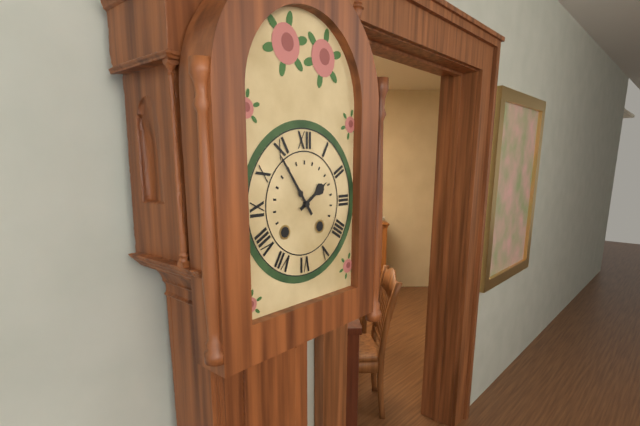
1 h 54 min
